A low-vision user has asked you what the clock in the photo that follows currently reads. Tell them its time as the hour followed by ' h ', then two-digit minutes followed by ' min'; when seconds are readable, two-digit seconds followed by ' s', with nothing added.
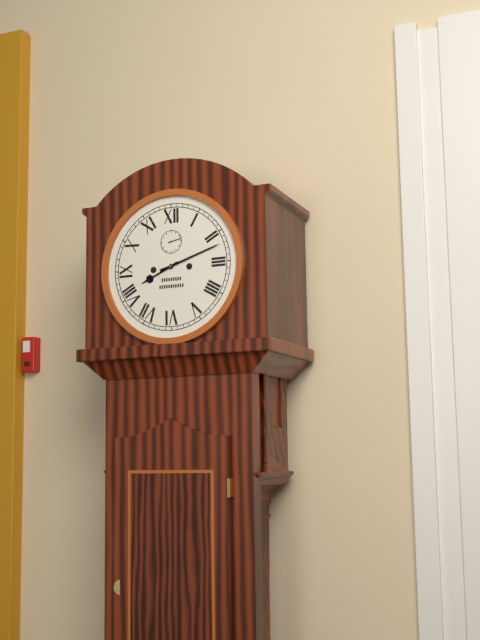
8 h 12 min
